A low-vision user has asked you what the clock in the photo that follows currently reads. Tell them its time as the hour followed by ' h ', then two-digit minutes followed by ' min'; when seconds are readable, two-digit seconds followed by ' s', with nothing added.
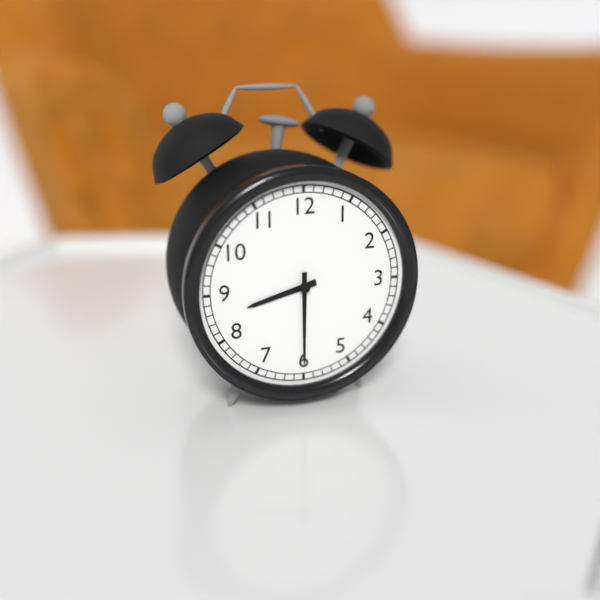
8 h 30 min
